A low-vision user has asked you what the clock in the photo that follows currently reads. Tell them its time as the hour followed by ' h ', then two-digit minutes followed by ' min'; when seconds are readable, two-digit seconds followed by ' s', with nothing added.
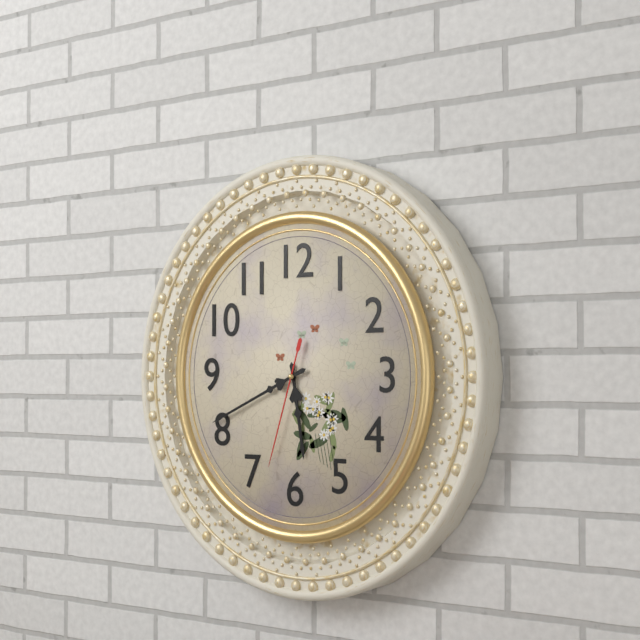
5 h 41 min 33 s
